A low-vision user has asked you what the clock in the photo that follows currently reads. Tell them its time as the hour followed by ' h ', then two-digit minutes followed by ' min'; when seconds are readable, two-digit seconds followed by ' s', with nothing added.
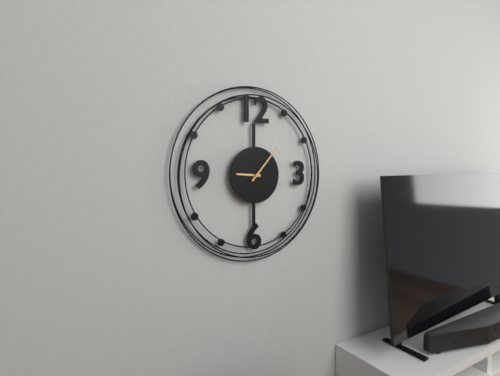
9 h 07 min
